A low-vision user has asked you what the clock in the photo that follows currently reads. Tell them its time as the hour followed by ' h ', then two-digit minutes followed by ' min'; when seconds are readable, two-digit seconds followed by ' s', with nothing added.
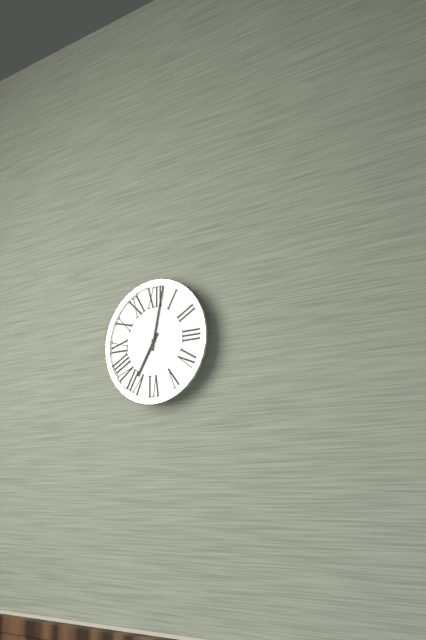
7 h 02 min
